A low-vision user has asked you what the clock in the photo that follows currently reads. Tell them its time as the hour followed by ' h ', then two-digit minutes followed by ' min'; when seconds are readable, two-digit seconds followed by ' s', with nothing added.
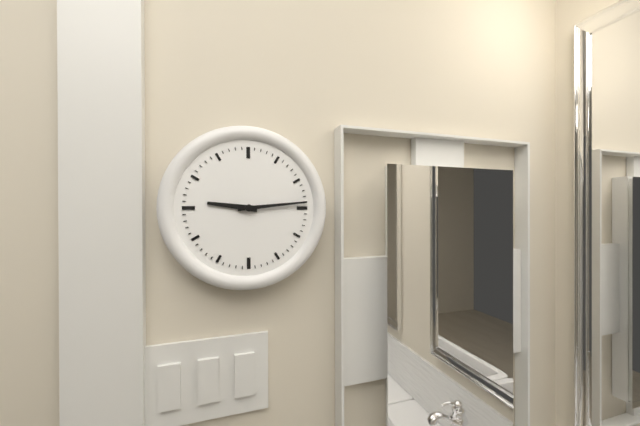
9 h 14 min
